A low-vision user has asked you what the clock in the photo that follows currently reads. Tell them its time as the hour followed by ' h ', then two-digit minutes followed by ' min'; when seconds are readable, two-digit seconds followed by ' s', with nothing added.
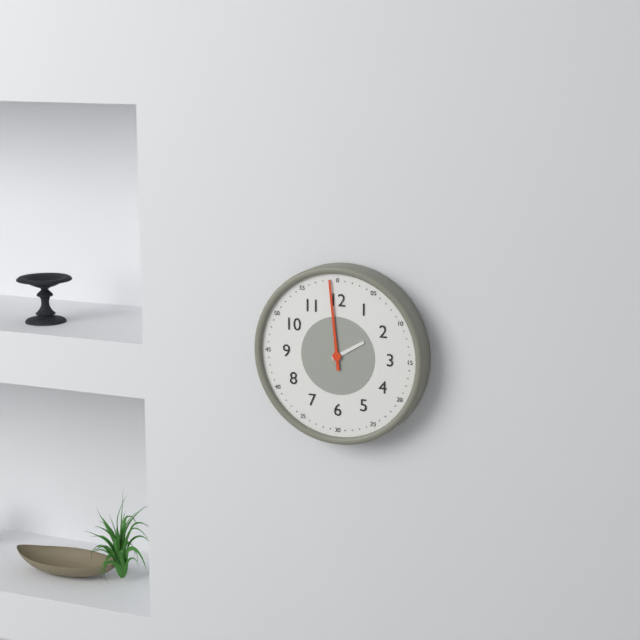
1 h 59 min
